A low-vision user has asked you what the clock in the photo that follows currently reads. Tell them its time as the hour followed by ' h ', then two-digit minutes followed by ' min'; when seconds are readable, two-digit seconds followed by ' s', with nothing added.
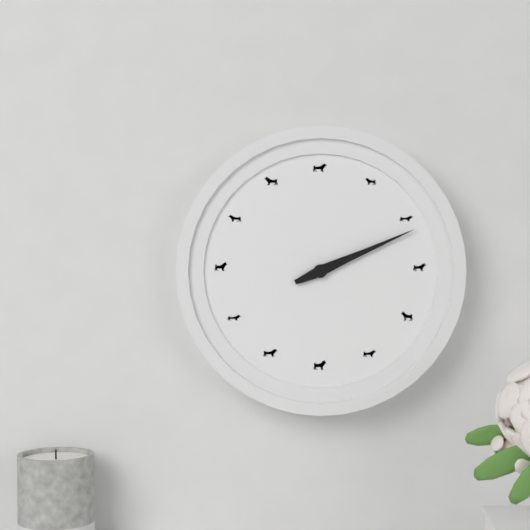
2 h 11 min
